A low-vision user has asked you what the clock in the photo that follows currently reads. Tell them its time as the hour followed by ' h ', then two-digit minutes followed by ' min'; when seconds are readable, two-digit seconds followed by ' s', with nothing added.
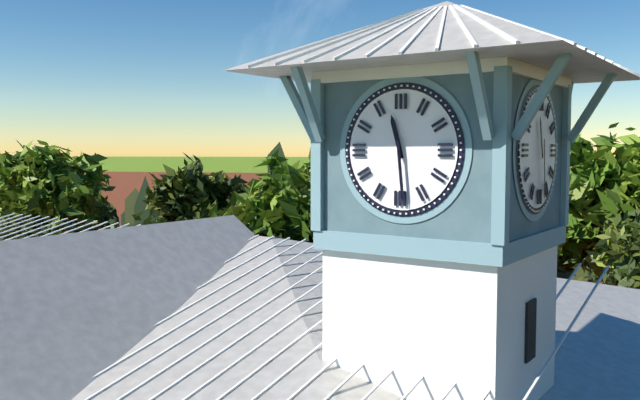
11 h 29 min
